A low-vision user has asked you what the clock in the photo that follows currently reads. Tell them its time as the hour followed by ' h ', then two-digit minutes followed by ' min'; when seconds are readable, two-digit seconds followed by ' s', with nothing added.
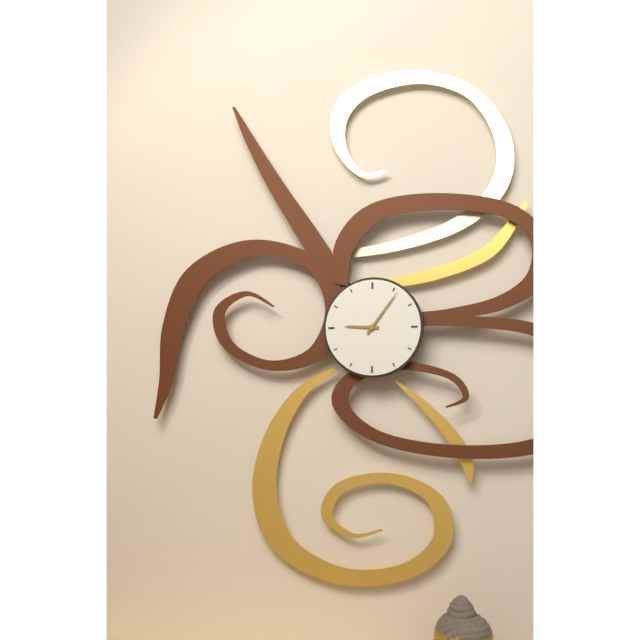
9 h 06 min
